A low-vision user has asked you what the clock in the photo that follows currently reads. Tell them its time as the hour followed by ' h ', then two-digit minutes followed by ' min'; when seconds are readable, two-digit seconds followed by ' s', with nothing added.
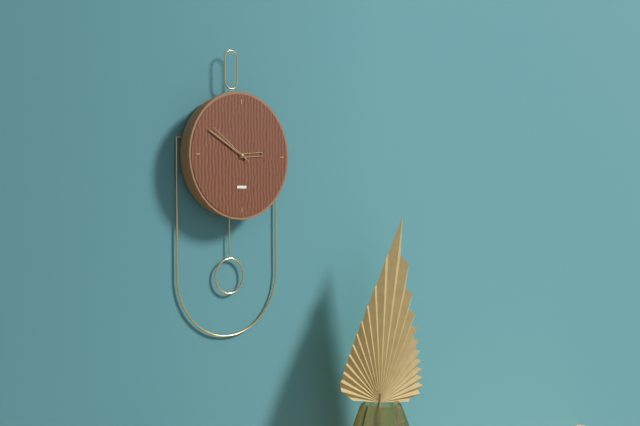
2 h 50 min
